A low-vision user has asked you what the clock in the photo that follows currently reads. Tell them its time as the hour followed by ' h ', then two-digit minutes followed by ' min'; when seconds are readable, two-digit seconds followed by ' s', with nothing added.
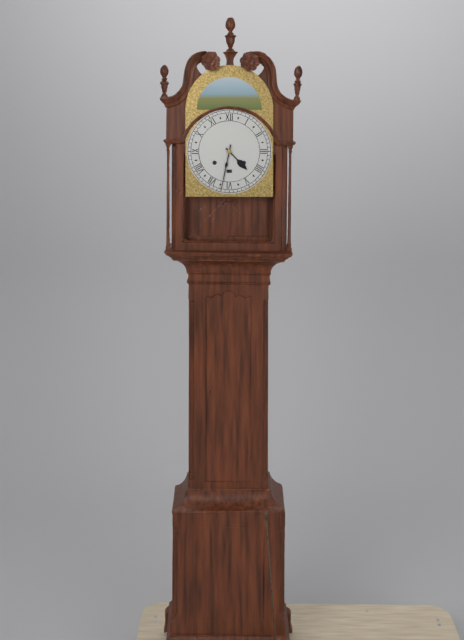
4 h 32 min
